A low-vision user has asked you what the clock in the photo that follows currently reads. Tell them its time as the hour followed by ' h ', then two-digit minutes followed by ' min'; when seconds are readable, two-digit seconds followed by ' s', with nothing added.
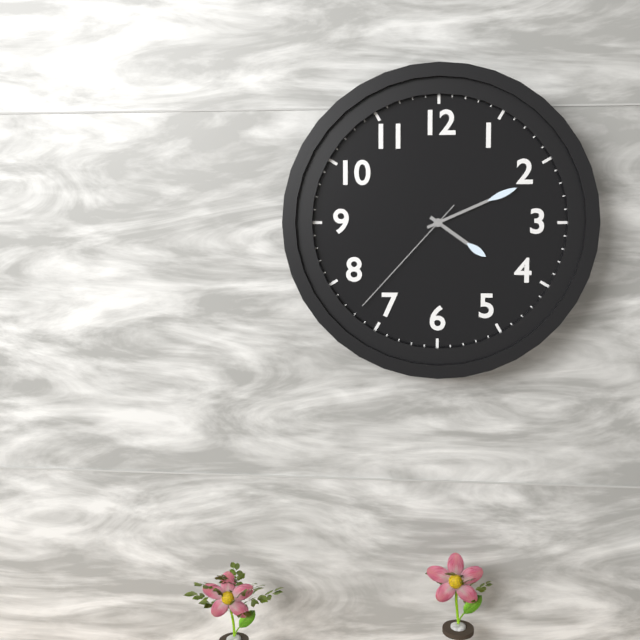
4 h 11 min 37 s
